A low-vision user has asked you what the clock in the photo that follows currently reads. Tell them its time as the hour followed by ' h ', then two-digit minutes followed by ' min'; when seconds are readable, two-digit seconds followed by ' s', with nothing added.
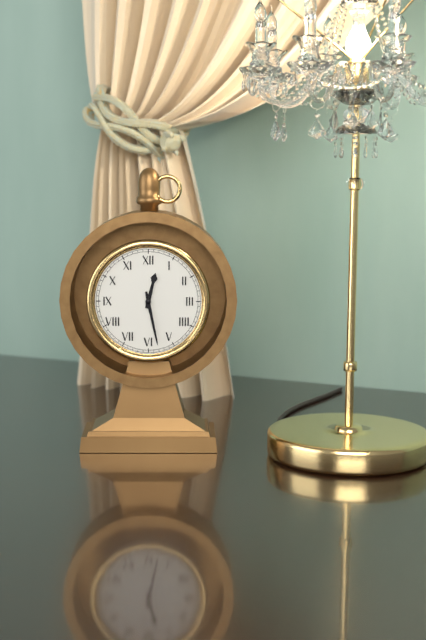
12 h 28 min
